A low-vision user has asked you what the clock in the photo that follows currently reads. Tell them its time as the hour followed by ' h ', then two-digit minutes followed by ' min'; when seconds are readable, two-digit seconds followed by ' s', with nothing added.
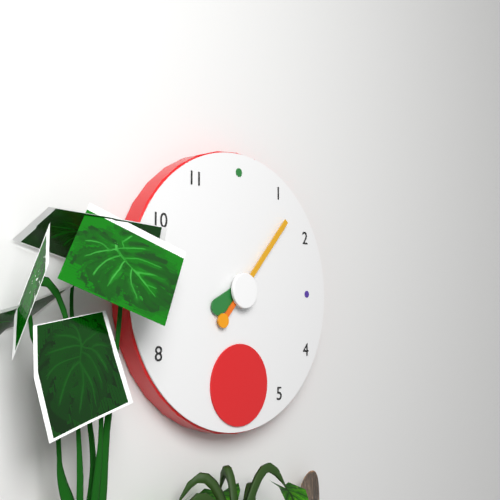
8 h 07 min
